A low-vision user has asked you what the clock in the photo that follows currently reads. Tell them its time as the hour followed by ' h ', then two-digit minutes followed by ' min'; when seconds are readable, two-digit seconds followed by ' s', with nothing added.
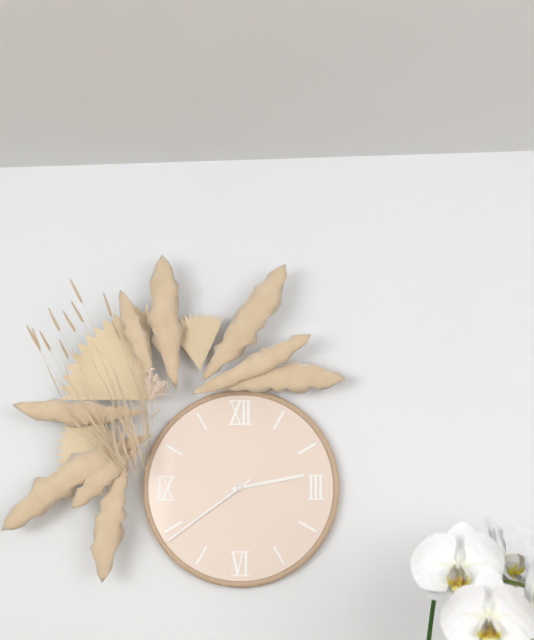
2 h 39 min
